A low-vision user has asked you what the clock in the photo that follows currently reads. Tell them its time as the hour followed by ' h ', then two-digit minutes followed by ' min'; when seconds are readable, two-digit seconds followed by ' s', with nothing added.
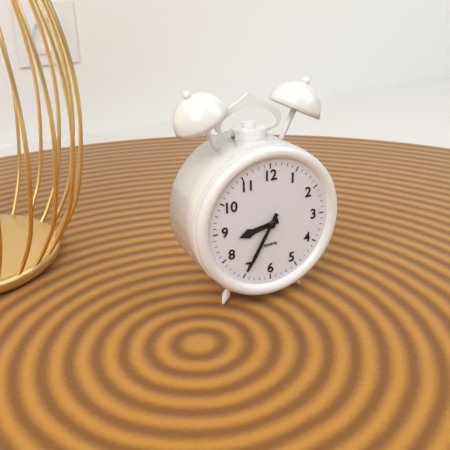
8 h 35 min
